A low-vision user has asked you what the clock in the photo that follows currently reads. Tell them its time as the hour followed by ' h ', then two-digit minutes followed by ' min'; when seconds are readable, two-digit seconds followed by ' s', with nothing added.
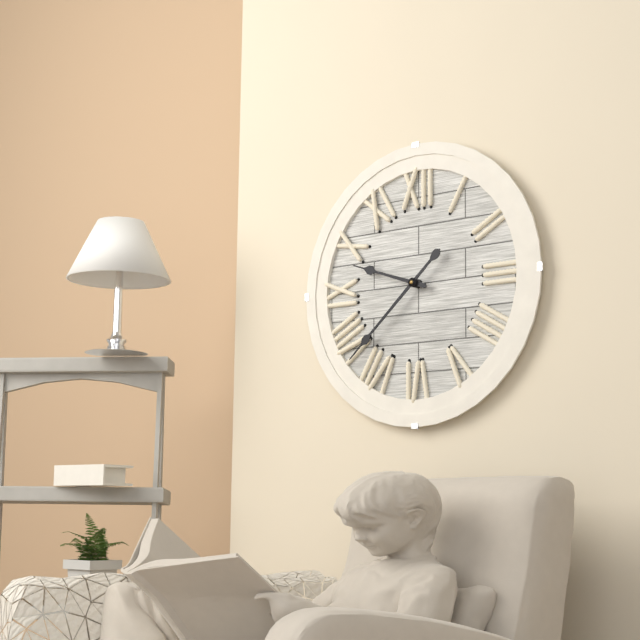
9 h 38 min
